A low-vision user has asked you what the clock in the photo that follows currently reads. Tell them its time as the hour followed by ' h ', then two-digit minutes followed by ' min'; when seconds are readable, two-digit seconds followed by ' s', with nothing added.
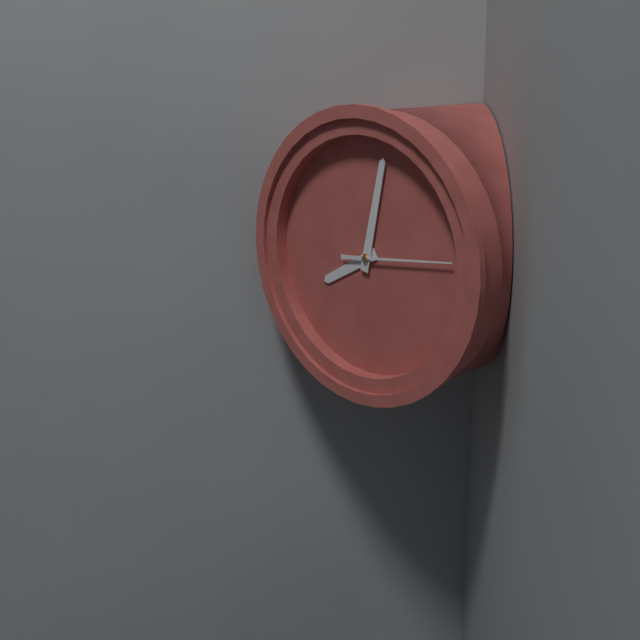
8 h 02 min 14 s
